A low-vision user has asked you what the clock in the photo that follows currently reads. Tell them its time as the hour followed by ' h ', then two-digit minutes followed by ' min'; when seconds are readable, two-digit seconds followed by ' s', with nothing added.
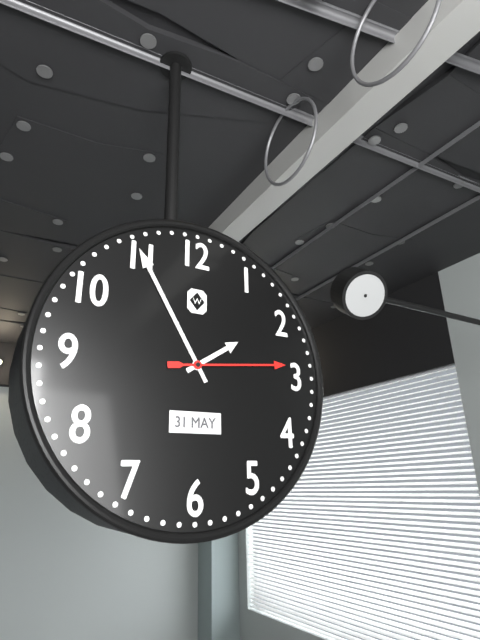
1 h 55 min 14 s
